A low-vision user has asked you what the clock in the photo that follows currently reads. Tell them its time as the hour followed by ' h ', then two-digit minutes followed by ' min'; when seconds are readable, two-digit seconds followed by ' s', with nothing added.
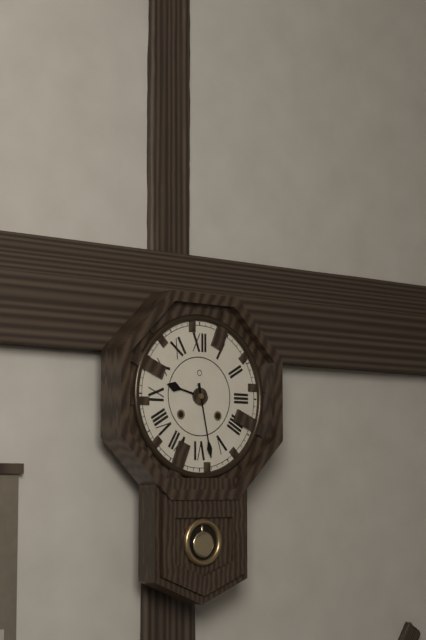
9 h 28 min
